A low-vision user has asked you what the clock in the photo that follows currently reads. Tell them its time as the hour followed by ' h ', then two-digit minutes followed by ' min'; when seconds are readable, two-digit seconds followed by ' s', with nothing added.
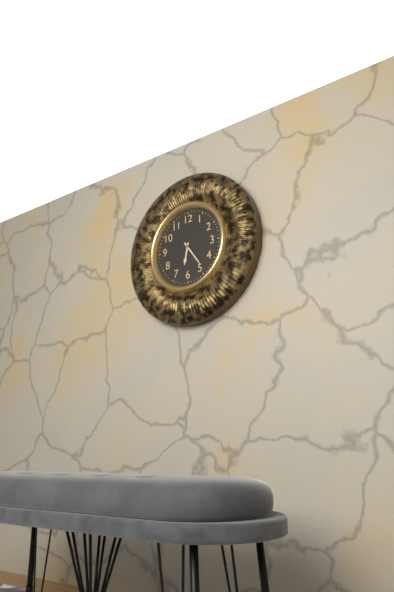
6 h 24 min
